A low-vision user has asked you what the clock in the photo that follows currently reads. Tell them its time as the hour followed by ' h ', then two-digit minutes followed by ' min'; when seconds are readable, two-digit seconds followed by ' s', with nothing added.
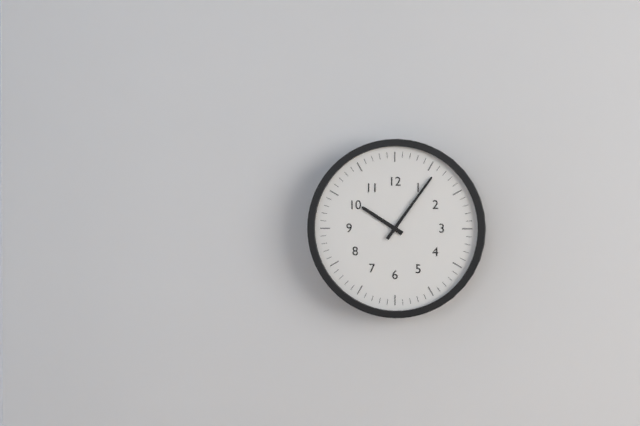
10 h 06 min
